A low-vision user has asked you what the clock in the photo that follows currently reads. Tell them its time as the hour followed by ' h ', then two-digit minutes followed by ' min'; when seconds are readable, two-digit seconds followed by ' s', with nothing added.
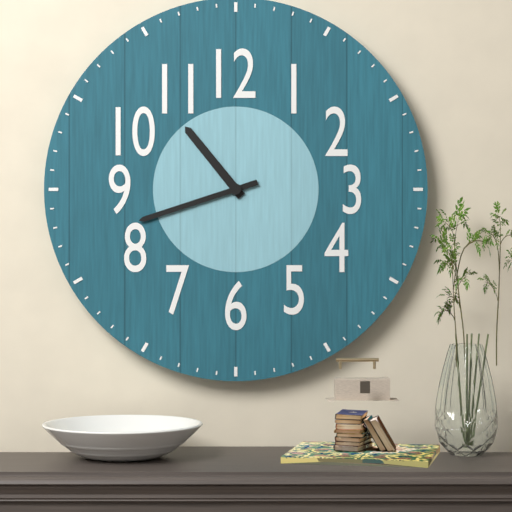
10 h 42 min
